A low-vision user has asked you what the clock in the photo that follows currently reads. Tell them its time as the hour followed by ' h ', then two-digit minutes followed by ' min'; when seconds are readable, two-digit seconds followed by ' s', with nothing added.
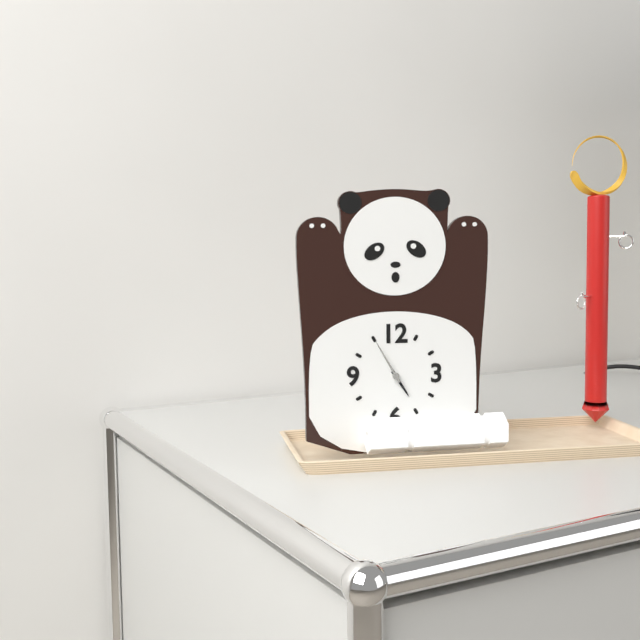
4 h 55 min
